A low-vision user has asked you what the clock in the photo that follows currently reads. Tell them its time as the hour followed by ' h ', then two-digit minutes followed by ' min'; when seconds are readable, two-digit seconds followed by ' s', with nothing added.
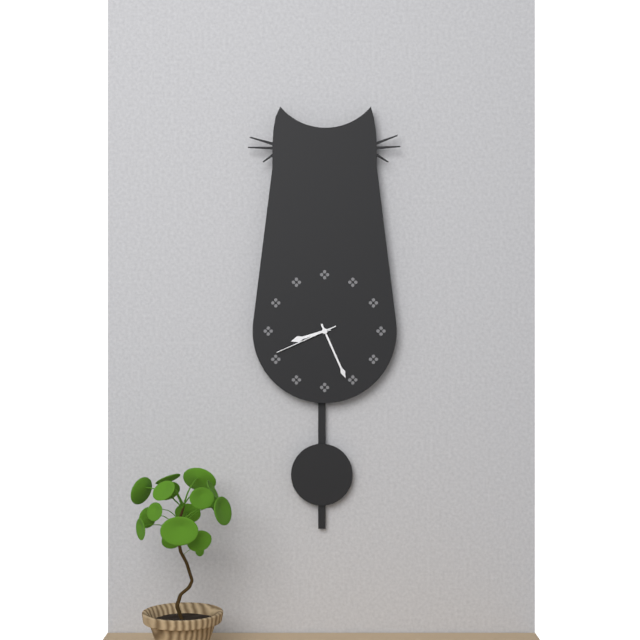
8 h 26 min 41 s
